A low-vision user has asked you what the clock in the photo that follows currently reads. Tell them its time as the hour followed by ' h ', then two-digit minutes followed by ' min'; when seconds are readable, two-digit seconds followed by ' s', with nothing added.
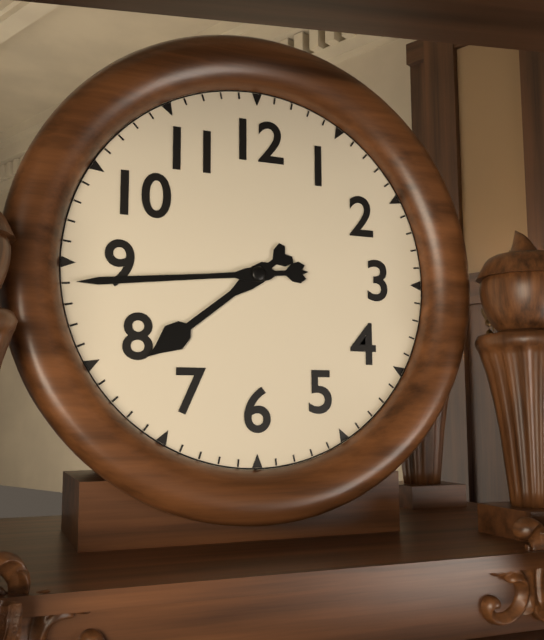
7 h 44 min
